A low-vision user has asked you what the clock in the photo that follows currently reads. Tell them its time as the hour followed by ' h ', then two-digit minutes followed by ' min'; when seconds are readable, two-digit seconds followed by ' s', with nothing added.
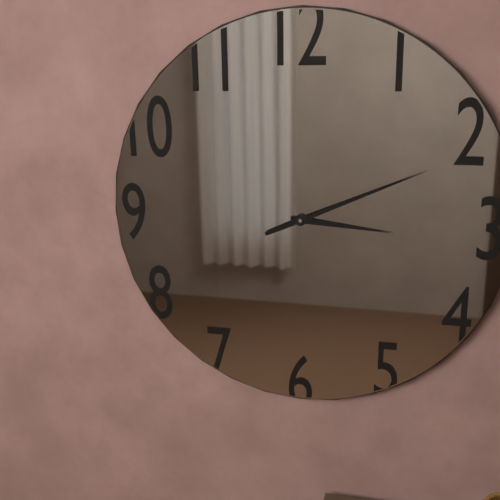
3 h 11 min
